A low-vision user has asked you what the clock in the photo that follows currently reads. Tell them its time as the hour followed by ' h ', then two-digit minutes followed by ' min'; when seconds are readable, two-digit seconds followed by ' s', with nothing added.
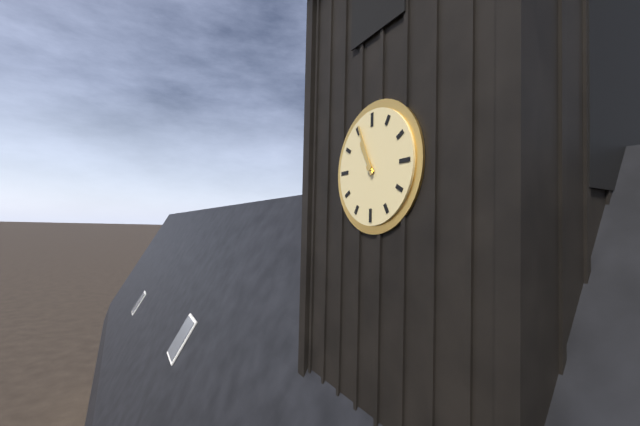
10 h 56 min
